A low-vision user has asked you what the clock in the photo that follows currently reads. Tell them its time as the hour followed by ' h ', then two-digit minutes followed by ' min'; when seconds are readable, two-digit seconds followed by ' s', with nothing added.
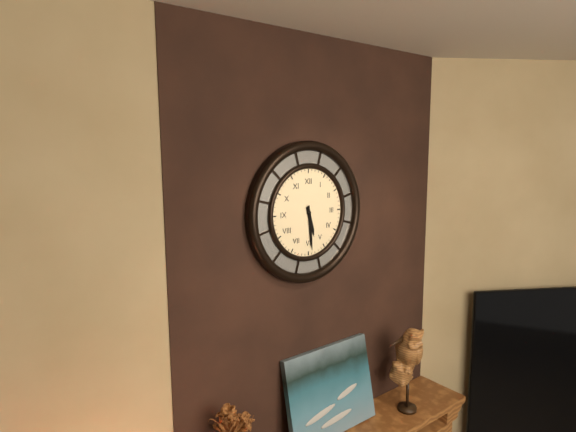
5 h 29 min
